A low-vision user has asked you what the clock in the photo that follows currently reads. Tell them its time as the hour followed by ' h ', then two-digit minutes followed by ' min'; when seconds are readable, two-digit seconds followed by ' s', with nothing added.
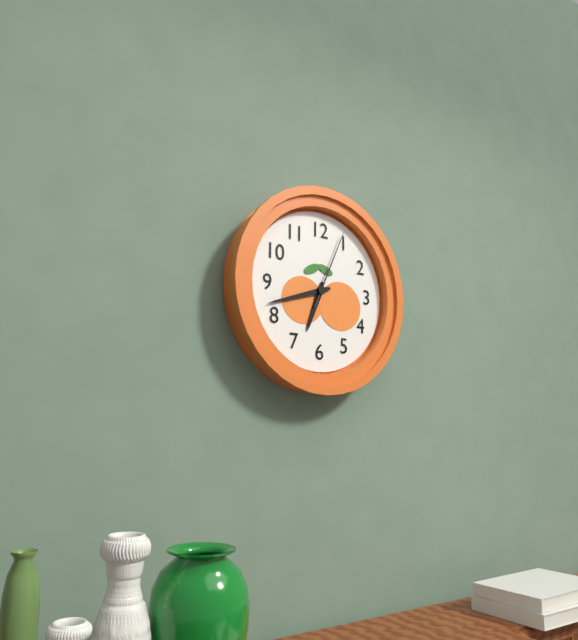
6 h 42 min 04 s
